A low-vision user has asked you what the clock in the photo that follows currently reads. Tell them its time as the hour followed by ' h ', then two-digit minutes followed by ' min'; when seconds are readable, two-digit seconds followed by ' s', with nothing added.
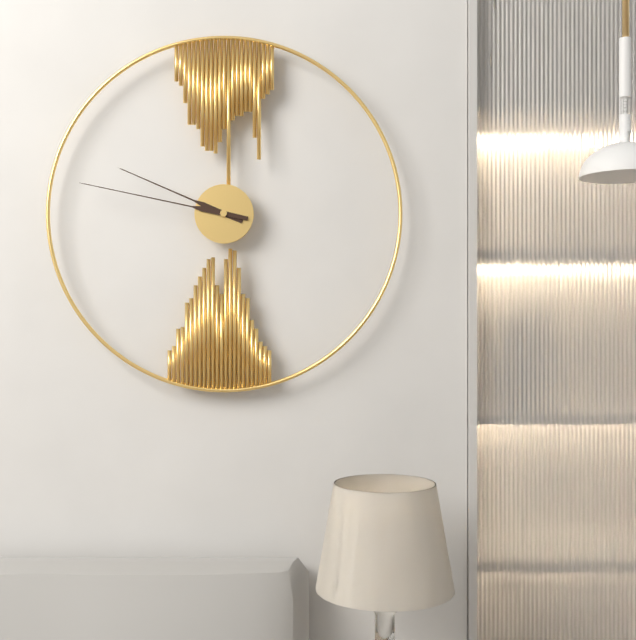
9 h 47 min
